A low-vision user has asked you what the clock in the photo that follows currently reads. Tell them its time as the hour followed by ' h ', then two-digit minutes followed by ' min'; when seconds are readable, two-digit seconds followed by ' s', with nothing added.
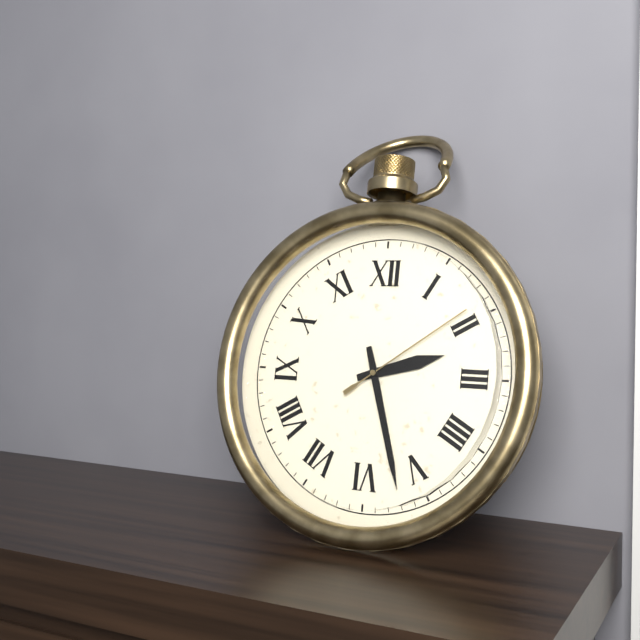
2 h 27 min 09 s
